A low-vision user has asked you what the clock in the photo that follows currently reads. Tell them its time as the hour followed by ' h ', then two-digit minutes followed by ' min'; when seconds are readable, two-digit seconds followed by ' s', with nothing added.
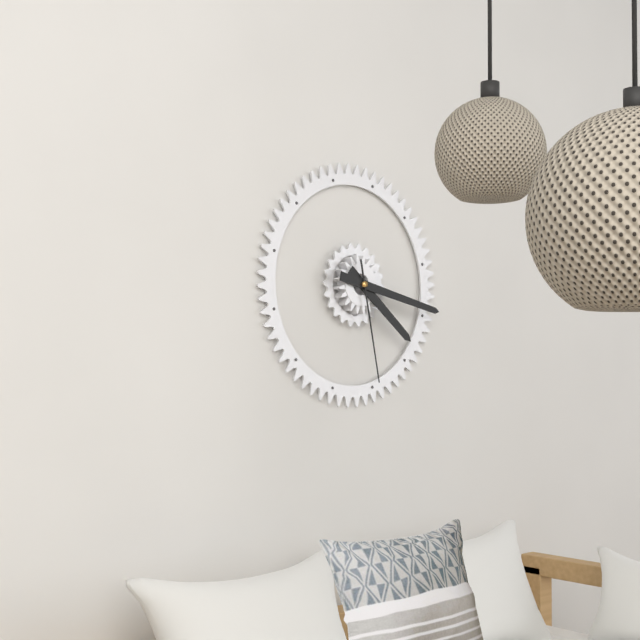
4 h 17 min 28 s
